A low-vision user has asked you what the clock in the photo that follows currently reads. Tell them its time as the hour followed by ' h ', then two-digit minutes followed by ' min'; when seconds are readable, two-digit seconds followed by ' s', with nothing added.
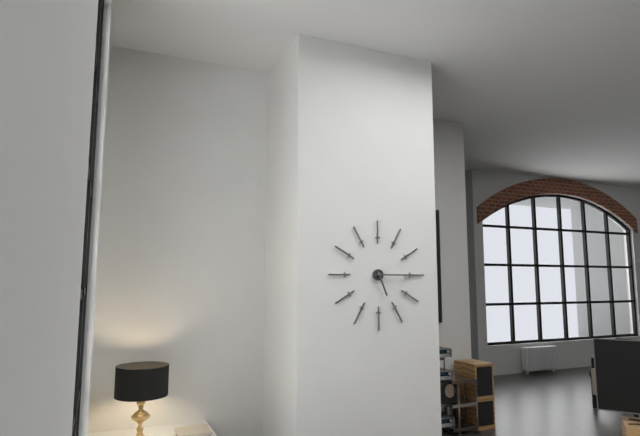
5 h 15 min
